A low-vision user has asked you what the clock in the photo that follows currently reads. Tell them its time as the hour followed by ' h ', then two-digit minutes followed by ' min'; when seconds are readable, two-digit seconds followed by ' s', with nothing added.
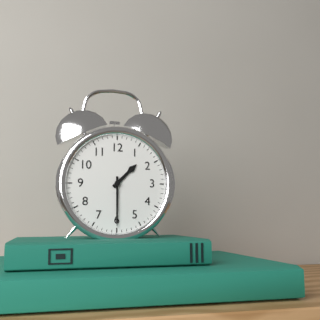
1 h 30 min
